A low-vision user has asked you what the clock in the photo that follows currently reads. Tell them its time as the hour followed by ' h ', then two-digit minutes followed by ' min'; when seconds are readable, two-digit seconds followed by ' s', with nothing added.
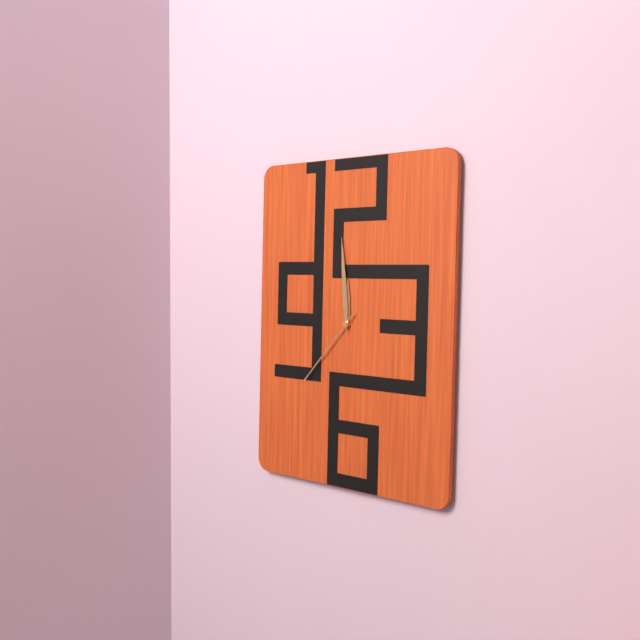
11 h 59 min 37 s
